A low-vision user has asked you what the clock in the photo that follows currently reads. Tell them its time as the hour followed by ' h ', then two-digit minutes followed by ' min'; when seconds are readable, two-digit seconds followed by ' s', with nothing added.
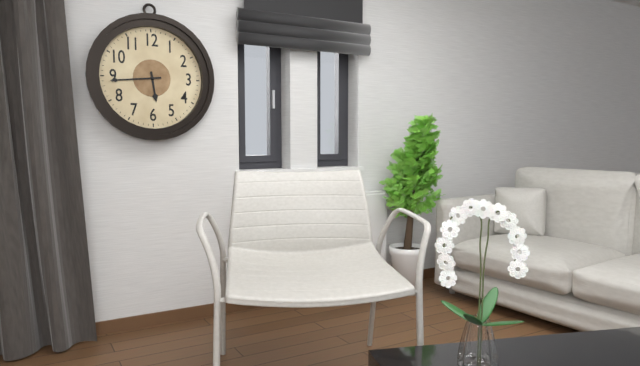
5 h 44 min
